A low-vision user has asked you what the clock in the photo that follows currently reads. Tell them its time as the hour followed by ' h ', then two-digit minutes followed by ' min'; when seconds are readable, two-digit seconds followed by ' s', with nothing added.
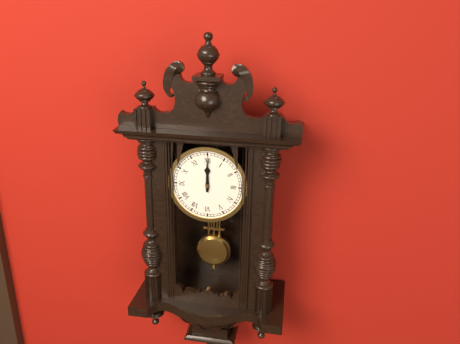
12 h 00 min
